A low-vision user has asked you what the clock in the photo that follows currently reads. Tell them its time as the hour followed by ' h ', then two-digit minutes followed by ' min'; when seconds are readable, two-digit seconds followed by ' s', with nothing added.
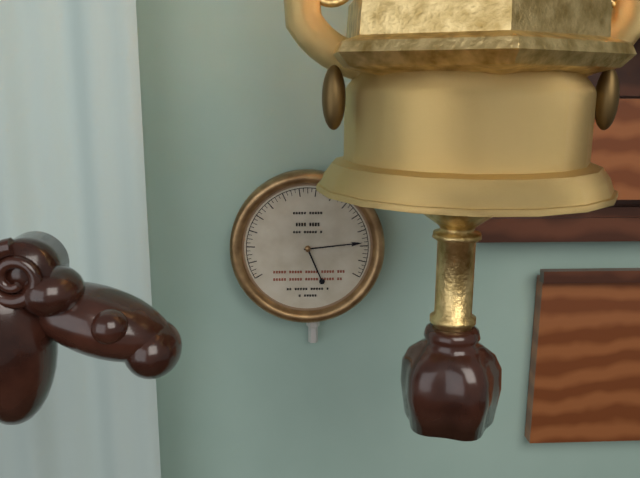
5 h 14 min
